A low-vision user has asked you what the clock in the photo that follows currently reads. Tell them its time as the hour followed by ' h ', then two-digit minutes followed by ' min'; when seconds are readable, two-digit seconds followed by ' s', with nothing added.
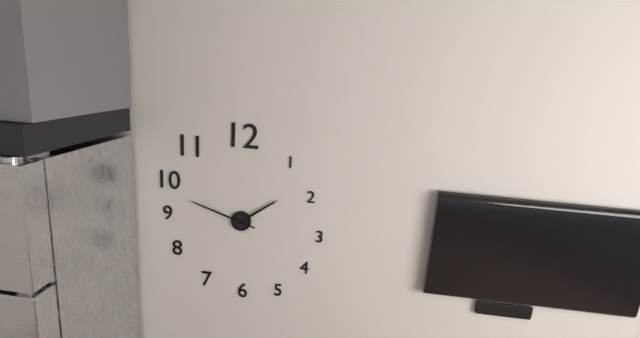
1 h 48 min
